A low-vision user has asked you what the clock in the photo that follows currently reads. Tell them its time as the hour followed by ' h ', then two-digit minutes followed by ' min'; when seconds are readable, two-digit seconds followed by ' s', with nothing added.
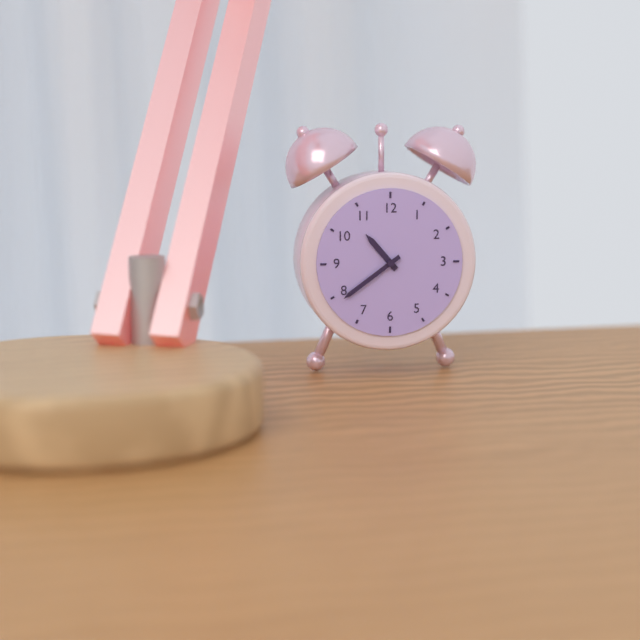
10 h 39 min
